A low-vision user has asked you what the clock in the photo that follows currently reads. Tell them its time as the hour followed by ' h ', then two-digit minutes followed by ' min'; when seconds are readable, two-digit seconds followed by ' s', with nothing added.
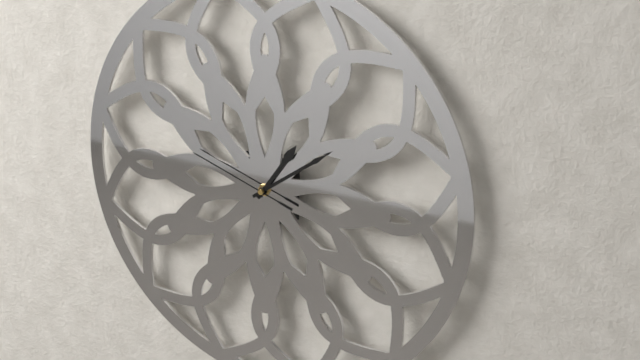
1 h 09 min 48 s
